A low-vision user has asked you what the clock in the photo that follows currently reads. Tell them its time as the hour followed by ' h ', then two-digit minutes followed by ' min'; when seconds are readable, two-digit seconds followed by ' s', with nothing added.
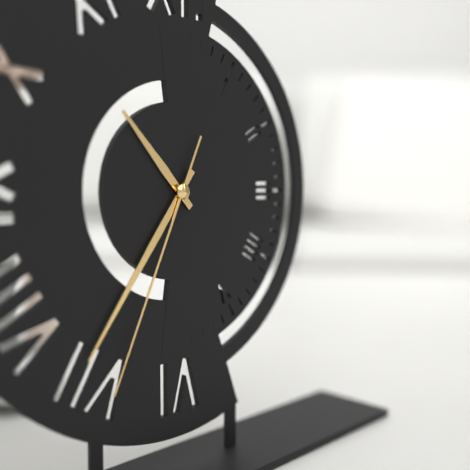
10 h 36 min 34 s
